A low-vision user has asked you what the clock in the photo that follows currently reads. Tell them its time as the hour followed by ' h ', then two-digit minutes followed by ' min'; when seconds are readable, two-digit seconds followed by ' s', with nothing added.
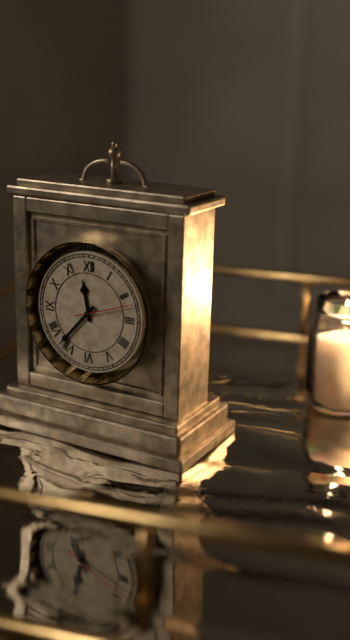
11 h 37 min 12 s
